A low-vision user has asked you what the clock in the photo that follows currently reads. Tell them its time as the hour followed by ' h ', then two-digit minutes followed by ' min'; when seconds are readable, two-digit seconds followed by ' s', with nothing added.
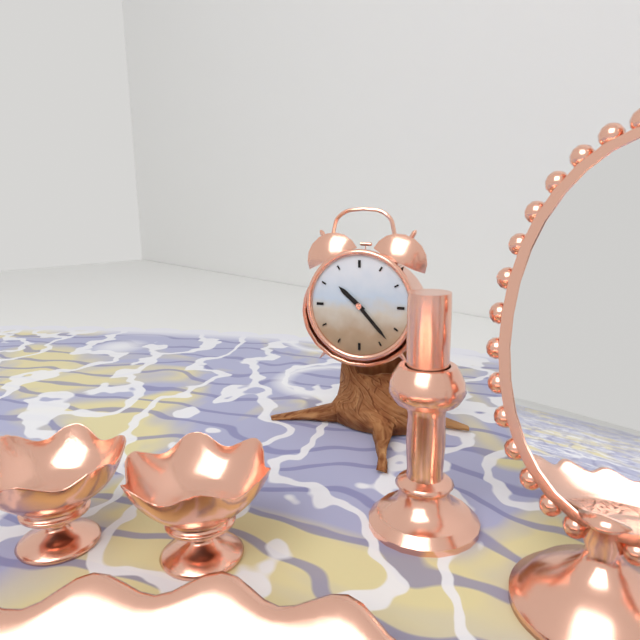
10 h 23 min
